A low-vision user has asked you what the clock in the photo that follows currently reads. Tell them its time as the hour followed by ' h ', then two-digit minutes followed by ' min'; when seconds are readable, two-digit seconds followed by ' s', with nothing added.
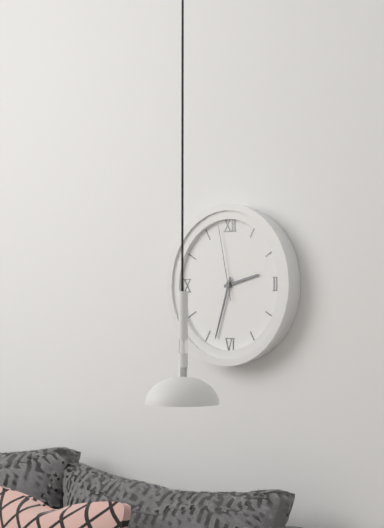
2 h 33 min 58 s
